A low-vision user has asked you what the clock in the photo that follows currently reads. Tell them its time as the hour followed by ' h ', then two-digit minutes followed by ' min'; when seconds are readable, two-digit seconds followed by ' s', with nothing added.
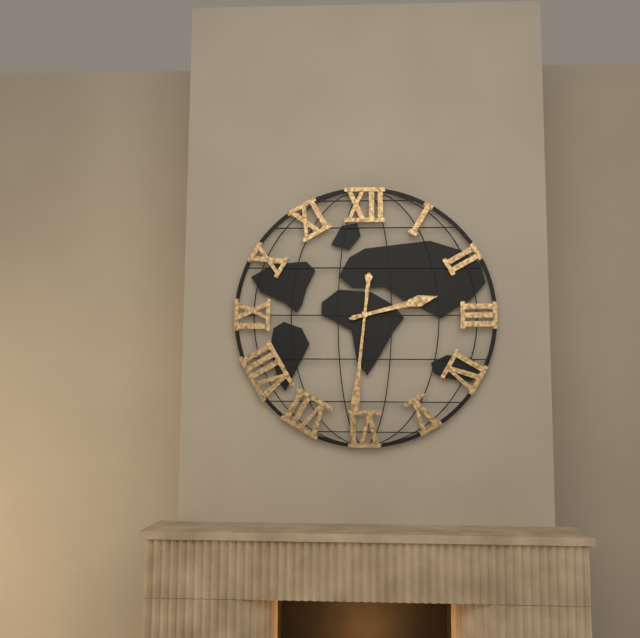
2 h 31 min
